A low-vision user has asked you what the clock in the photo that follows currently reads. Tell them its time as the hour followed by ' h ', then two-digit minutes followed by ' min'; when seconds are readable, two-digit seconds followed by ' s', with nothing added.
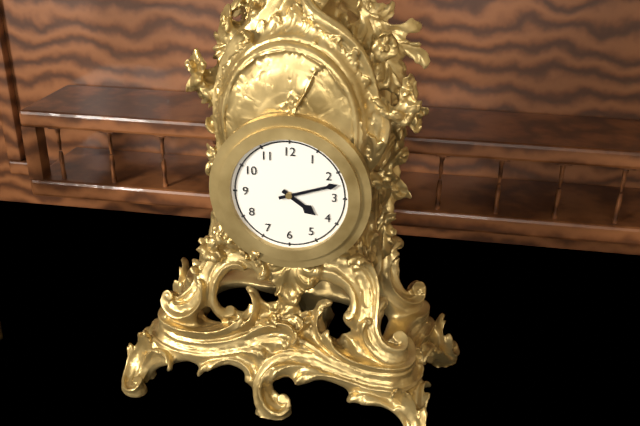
4 h 12 min
